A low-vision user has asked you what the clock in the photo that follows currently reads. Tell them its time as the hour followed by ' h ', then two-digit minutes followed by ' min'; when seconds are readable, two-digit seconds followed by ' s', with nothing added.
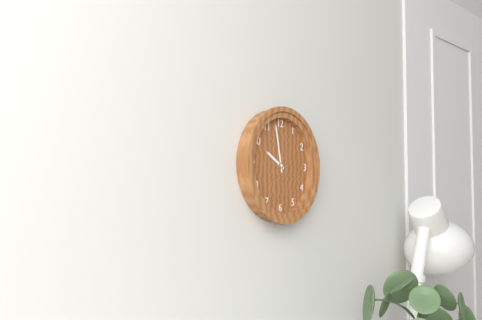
9 h 58 min
